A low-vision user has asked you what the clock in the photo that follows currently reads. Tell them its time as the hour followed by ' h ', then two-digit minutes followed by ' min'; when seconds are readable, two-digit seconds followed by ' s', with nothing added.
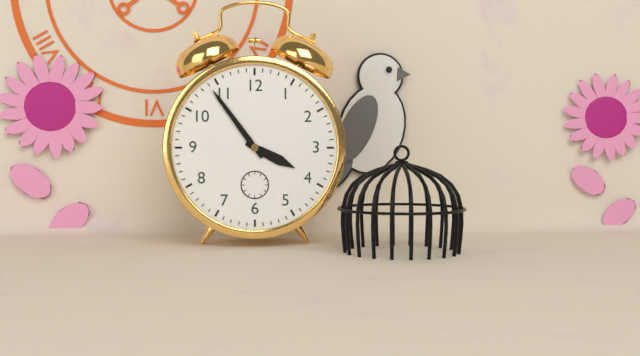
3 h 54 min
